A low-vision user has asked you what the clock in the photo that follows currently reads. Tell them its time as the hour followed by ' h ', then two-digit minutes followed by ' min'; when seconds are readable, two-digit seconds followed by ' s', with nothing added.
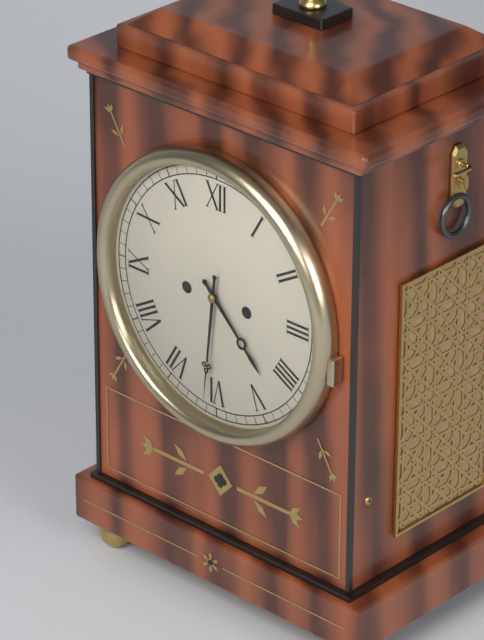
4 h 31 min
